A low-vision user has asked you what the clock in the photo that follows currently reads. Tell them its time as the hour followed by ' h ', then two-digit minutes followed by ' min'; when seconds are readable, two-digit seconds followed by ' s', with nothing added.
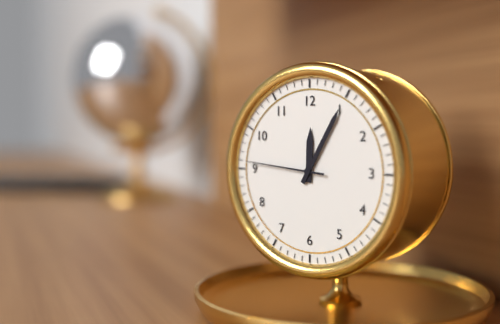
12 h 05 min 46 s
